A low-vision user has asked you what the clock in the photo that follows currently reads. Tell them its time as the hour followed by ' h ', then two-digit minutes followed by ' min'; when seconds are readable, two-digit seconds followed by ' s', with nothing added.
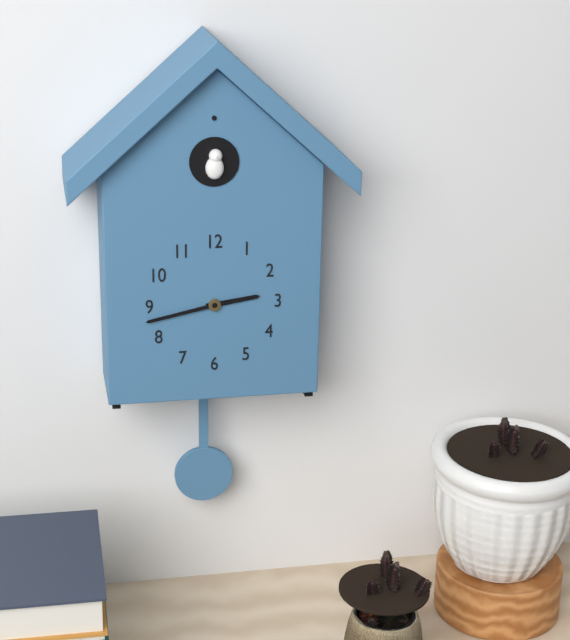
2 h 43 min
